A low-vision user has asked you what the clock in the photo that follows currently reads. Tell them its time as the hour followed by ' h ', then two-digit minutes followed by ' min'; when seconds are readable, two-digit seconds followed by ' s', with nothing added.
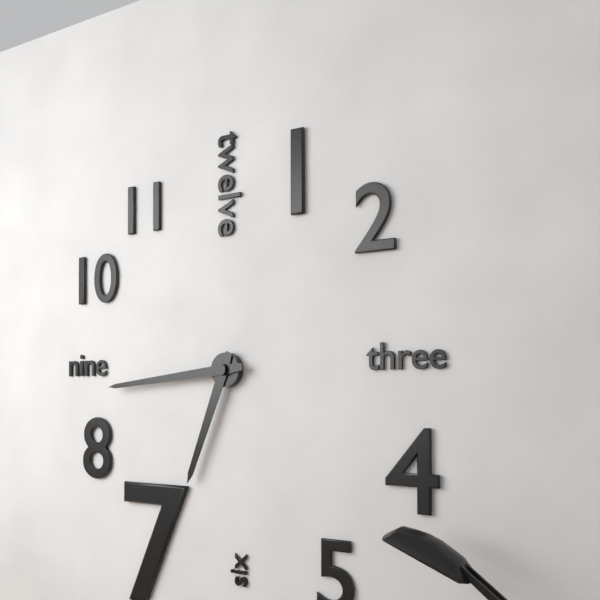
6 h 44 min
